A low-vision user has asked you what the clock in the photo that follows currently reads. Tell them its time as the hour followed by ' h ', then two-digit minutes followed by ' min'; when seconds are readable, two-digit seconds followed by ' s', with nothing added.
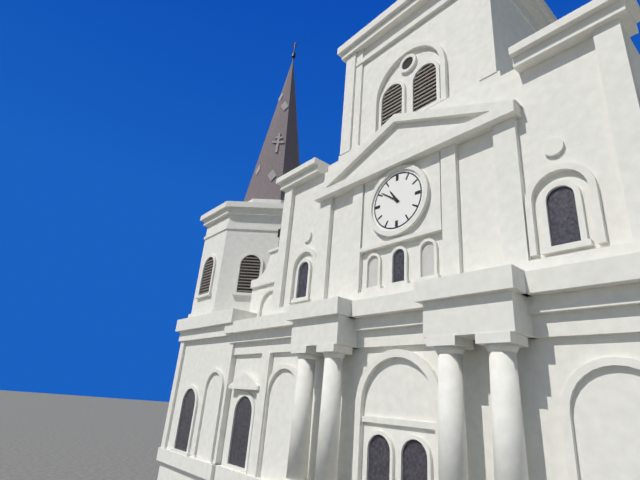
10 h 51 min
